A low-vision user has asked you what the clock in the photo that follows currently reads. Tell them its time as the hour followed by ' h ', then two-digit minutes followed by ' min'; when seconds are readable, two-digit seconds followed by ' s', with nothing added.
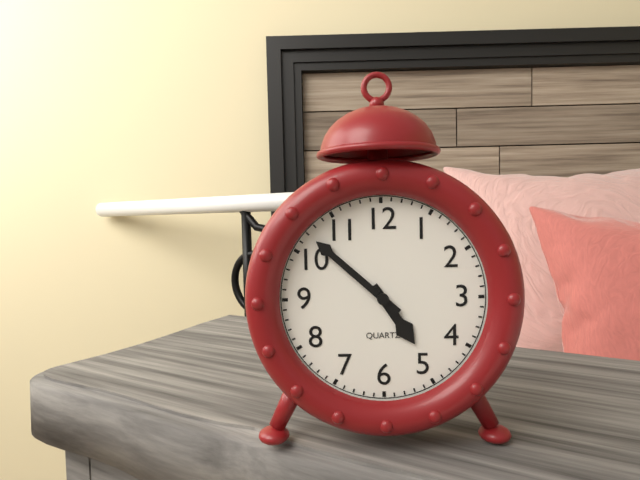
4 h 52 min
